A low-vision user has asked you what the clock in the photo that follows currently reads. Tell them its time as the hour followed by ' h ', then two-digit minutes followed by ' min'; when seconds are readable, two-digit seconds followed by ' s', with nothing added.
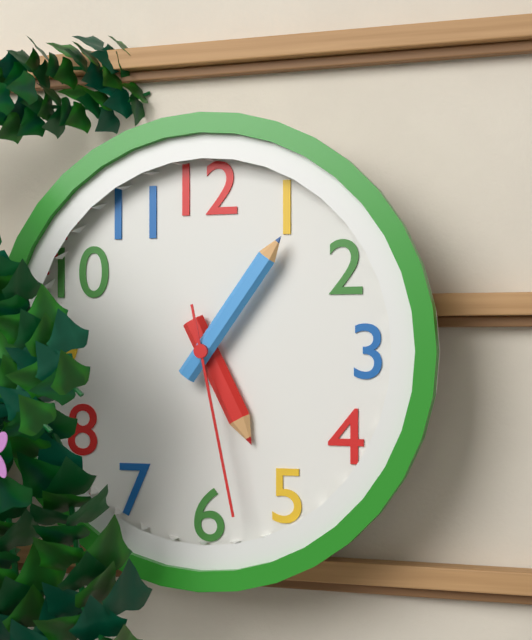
5 h 06 min 28 s
